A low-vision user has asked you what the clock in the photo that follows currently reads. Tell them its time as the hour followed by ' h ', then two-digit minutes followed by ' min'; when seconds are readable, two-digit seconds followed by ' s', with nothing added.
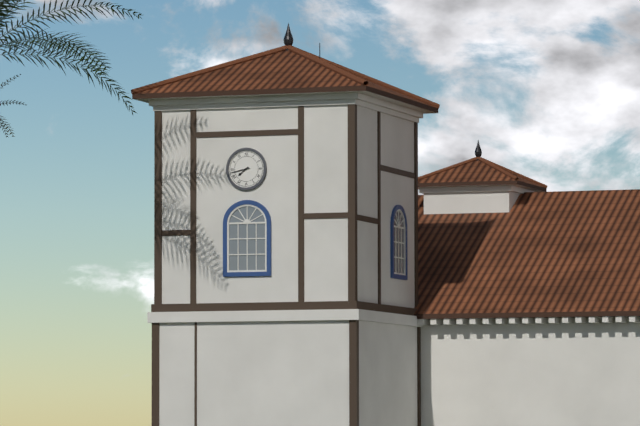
7 h 43 min
